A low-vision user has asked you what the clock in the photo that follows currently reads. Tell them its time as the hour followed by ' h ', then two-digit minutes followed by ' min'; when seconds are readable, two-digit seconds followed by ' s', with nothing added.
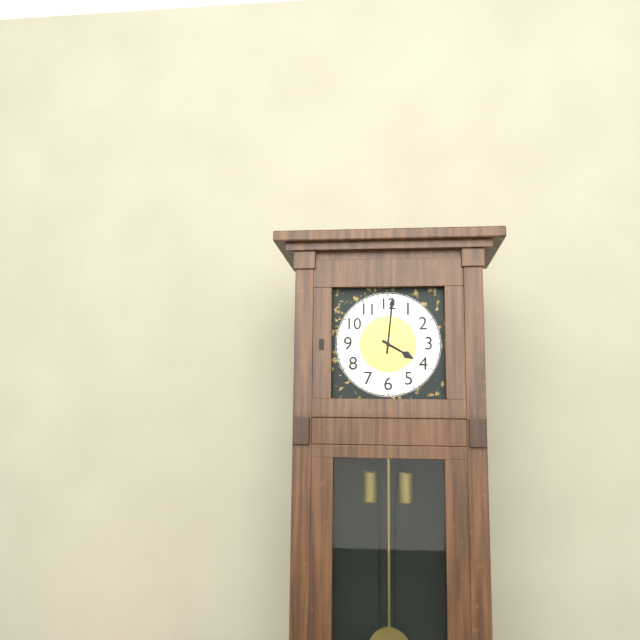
4 h 01 min
